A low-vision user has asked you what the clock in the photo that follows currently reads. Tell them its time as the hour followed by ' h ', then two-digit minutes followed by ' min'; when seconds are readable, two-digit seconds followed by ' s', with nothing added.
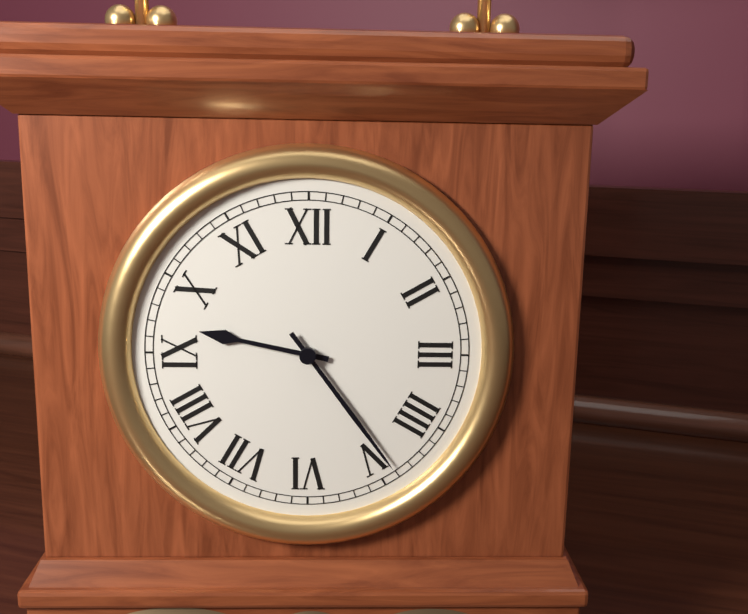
9 h 24 min
